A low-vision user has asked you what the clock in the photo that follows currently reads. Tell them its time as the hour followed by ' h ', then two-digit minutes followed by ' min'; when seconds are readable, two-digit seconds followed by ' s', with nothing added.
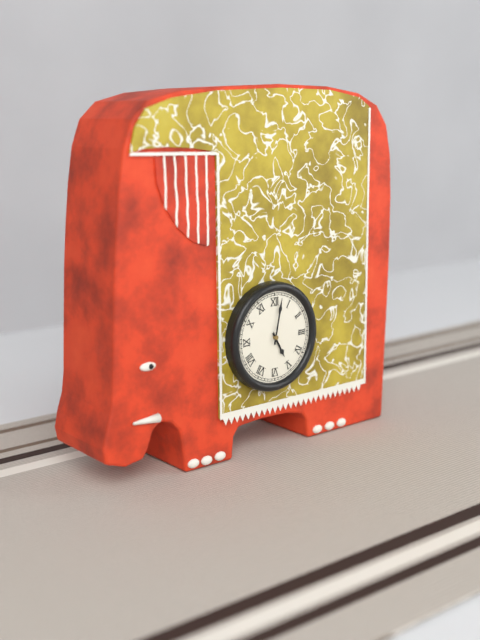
5 h 02 min
